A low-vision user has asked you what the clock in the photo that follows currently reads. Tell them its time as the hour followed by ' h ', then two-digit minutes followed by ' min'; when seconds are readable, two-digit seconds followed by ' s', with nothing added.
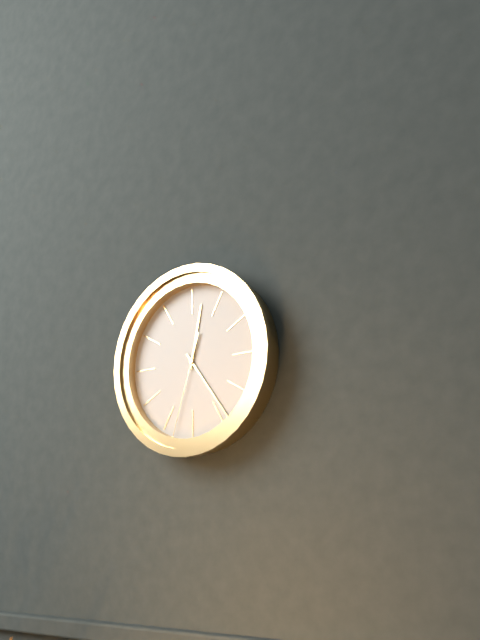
12 h 24 min 33 s
